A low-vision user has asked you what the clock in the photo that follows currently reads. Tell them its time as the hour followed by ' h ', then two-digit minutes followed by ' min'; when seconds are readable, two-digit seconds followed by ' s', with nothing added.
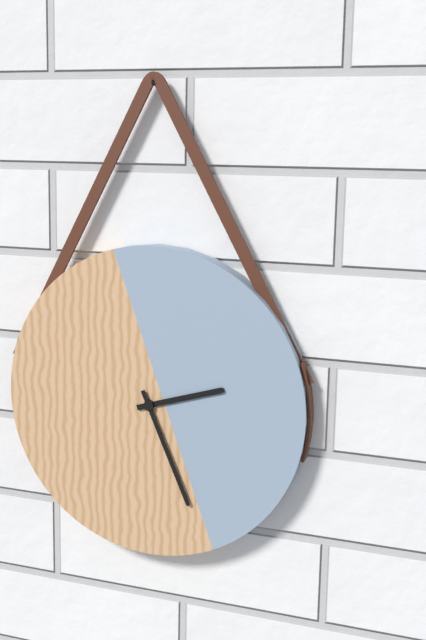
2 h 26 min
